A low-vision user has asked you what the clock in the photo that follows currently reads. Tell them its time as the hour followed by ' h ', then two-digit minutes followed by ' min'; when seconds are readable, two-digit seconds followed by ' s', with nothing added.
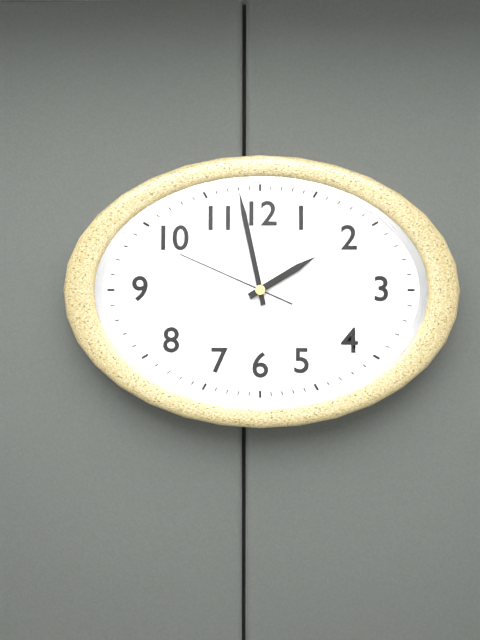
1 h 58 min 49 s
